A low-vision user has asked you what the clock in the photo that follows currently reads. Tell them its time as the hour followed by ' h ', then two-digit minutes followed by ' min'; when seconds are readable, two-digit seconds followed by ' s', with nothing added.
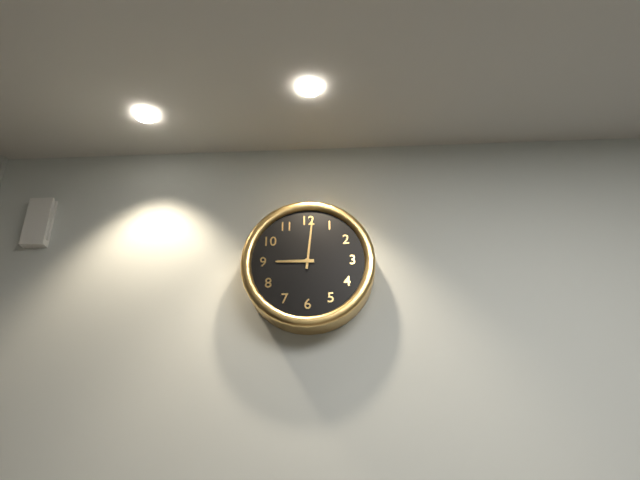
9 h 01 min
